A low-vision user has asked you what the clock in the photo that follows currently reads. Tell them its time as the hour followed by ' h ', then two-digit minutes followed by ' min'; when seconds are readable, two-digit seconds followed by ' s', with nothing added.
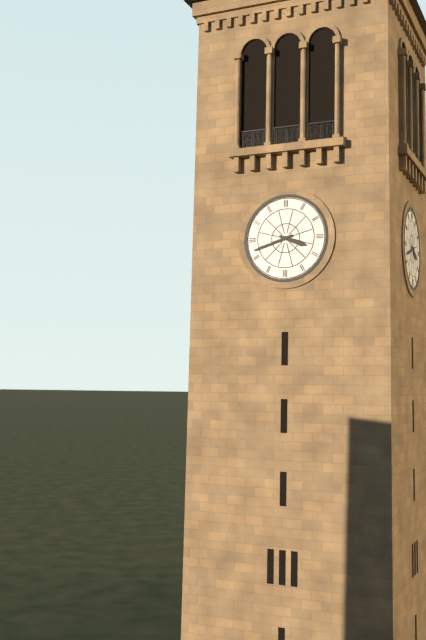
3 h 42 min
